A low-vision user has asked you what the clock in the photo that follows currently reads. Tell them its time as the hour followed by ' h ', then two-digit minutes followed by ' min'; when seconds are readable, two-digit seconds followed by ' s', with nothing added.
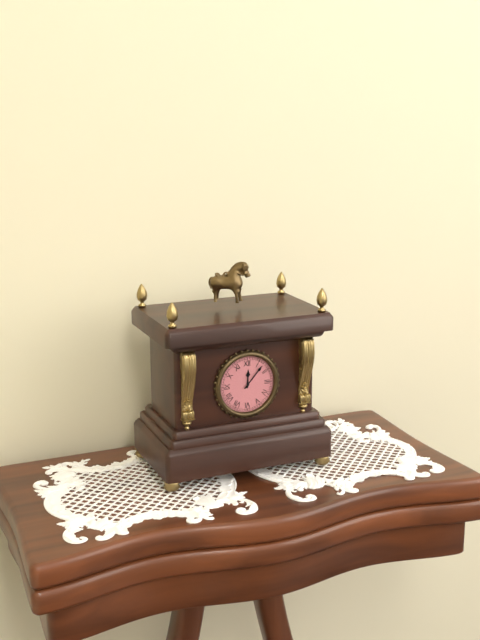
12 h 07 min
